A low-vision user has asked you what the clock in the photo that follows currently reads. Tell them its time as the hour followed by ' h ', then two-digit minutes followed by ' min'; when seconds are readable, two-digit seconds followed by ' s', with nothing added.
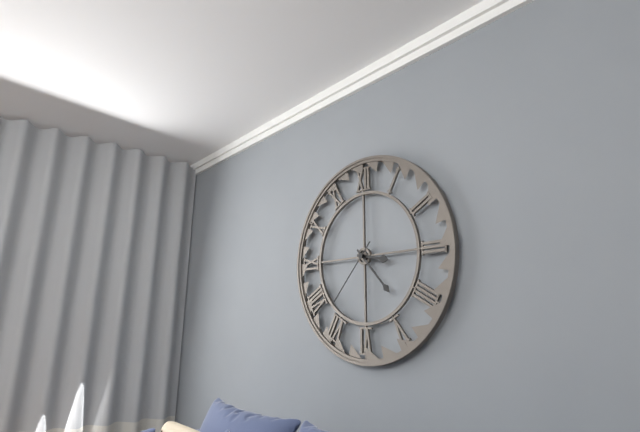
3 h 23 min 37 s
